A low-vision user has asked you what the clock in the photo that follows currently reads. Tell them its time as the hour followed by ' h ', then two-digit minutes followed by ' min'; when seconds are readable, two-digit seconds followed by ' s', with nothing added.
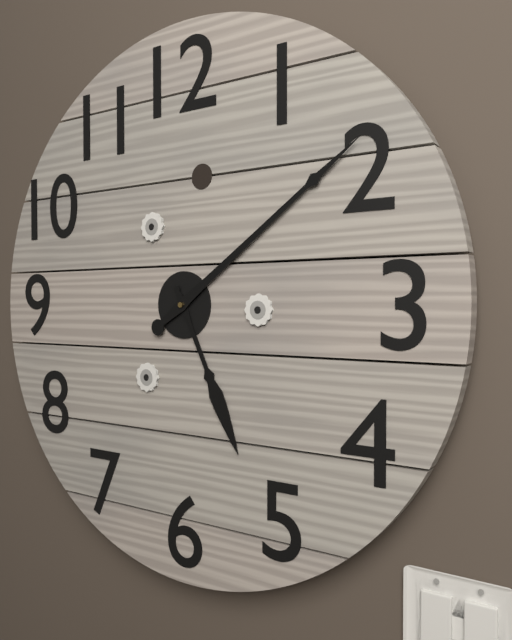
5 h 09 min
